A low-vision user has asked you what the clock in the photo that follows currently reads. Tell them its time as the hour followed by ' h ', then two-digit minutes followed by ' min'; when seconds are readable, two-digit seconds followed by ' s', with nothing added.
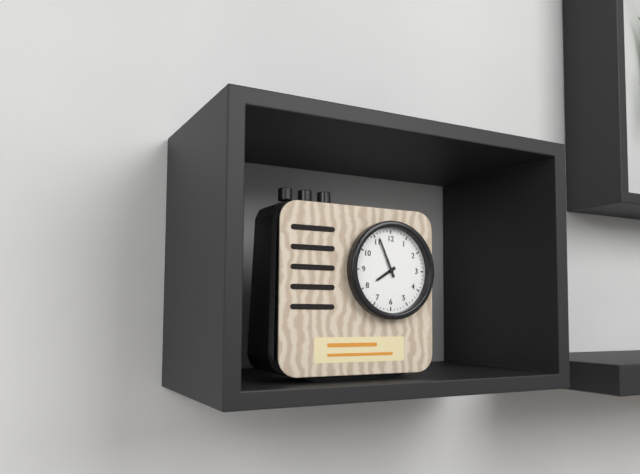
7 h 56 min
